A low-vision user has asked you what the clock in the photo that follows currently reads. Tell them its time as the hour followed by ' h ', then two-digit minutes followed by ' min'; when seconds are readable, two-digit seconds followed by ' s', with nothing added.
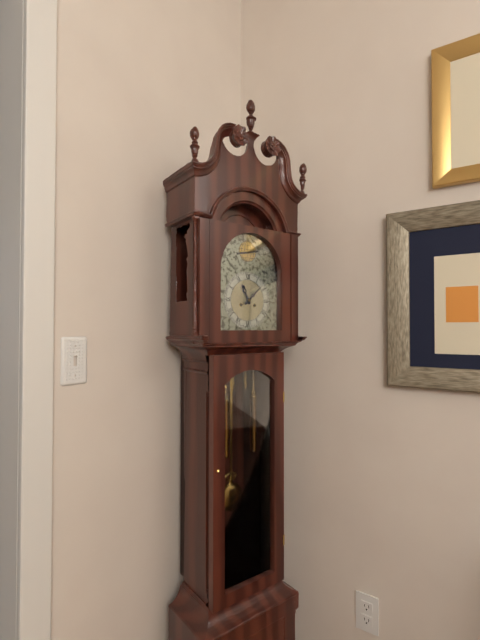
11 h 08 min
